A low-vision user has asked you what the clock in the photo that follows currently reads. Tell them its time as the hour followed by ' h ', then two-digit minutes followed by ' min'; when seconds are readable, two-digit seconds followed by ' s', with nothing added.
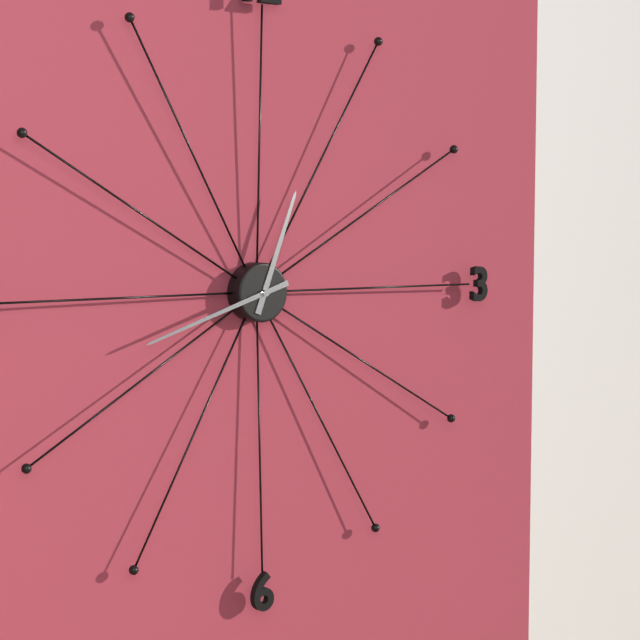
12 h 42 min
